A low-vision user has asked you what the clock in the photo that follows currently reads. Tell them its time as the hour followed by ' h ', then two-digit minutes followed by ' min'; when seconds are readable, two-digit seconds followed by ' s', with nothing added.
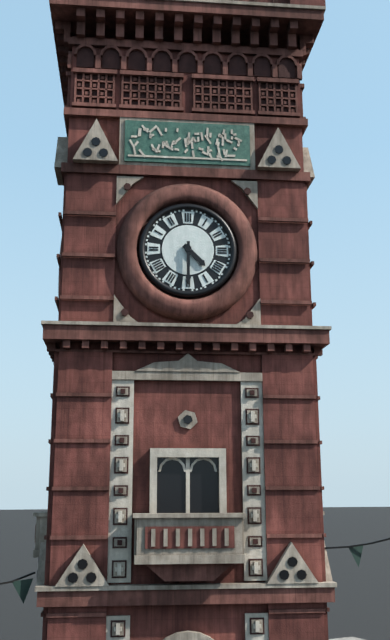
4 h 30 min
